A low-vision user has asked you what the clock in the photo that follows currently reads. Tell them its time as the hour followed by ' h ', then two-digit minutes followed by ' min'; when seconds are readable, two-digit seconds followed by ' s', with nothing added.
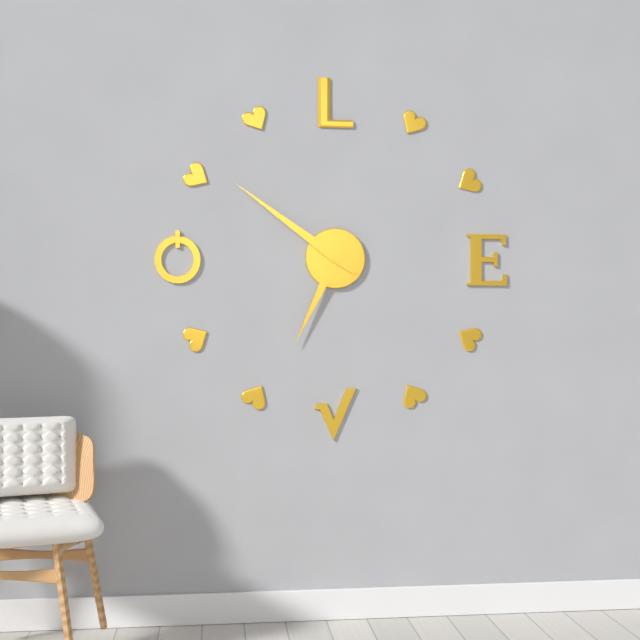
6 h 51 min
